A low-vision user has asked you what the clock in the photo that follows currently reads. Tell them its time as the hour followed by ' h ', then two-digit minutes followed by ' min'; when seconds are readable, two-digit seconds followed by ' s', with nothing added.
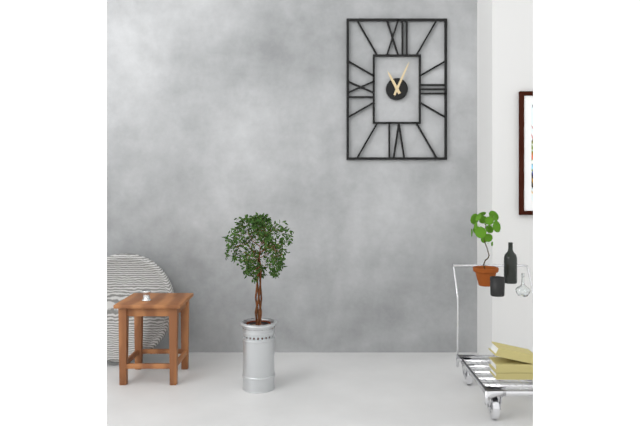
11 h 04 min
